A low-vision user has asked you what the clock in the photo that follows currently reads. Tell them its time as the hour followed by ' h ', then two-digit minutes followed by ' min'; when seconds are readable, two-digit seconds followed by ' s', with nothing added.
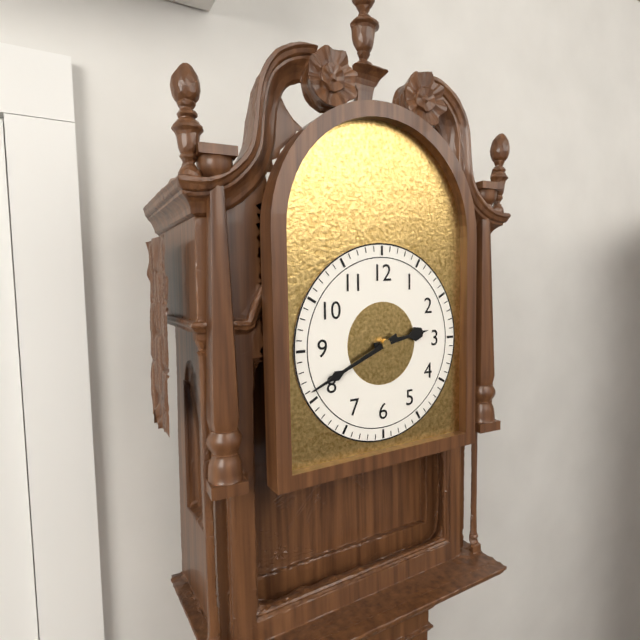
2 h 41 min
